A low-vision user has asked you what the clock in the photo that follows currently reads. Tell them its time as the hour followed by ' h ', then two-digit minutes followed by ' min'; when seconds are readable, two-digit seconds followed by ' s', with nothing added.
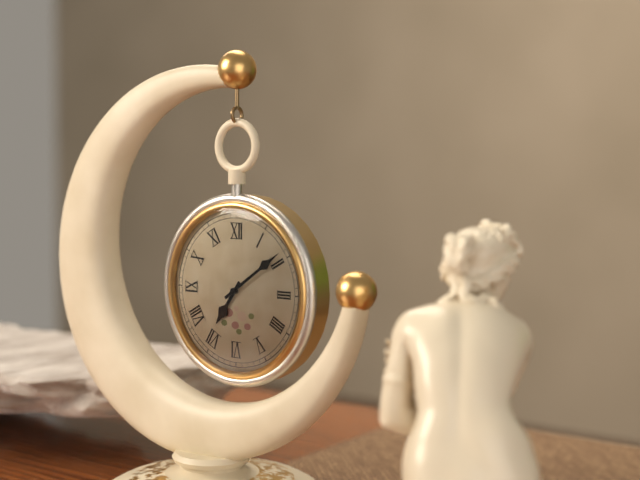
7 h 09 min
